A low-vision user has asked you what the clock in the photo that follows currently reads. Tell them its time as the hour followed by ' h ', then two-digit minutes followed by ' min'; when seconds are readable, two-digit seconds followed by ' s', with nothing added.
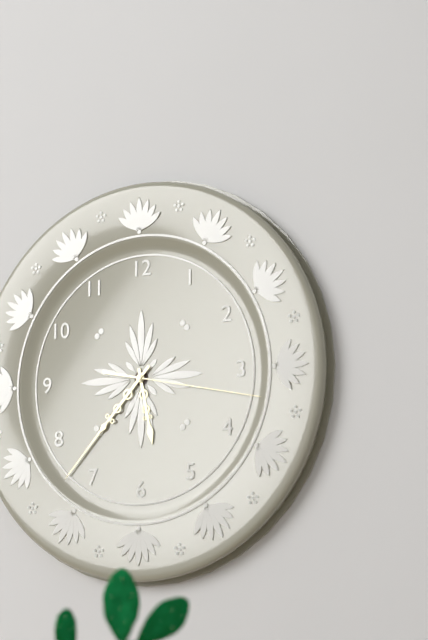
5 h 37 min 17 s
